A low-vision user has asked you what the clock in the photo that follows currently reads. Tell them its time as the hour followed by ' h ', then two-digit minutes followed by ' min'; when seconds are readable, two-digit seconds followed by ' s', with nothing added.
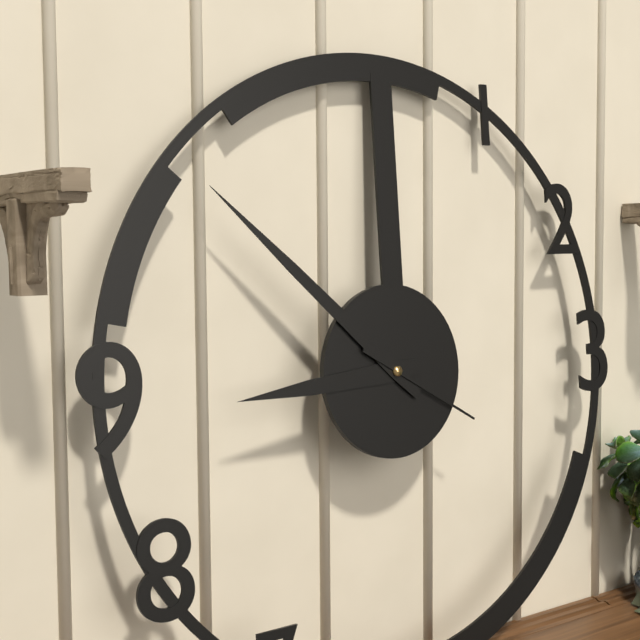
8 h 52 min 20 s
